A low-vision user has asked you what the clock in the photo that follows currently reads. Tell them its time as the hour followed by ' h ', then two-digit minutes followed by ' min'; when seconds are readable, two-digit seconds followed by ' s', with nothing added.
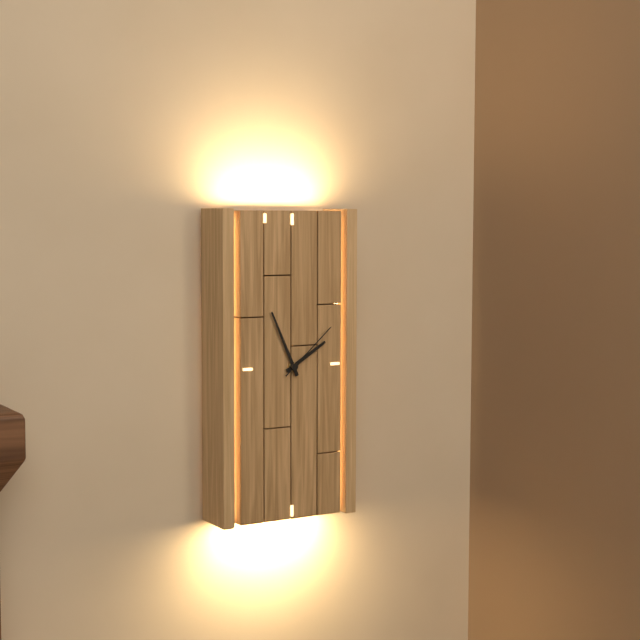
1 h 56 min 08 s
